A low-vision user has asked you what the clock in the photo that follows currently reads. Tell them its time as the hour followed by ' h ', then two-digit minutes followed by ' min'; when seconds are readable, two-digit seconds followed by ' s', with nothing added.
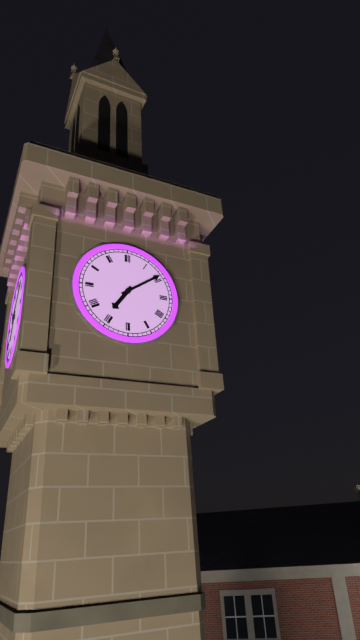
7 h 09 min
